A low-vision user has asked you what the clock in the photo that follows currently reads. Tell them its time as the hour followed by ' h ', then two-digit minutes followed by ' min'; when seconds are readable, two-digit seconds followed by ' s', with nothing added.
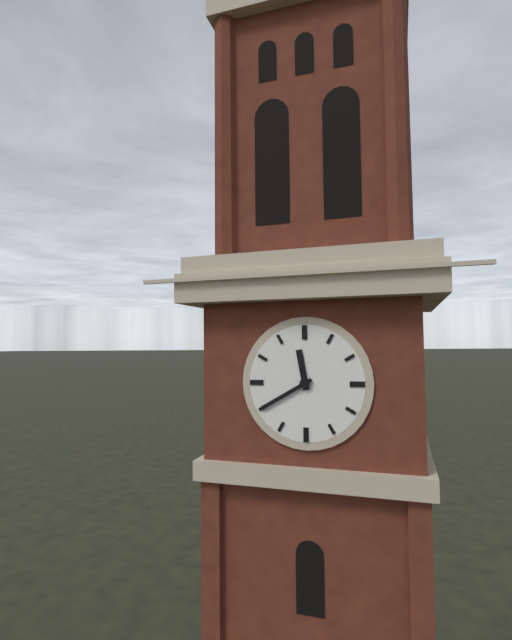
11 h 40 min
